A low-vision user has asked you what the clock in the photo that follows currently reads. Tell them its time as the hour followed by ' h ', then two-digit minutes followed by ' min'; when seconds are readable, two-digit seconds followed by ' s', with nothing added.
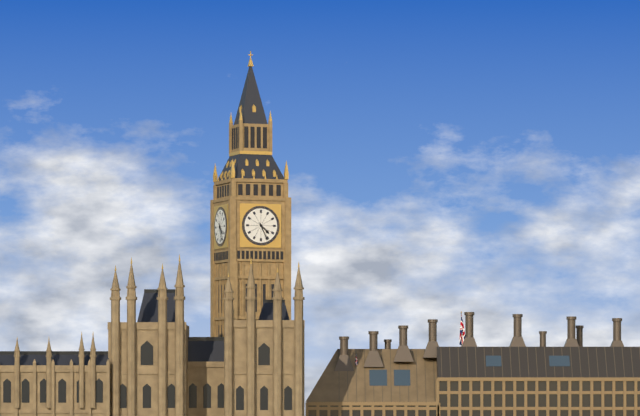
4 h 26 min
